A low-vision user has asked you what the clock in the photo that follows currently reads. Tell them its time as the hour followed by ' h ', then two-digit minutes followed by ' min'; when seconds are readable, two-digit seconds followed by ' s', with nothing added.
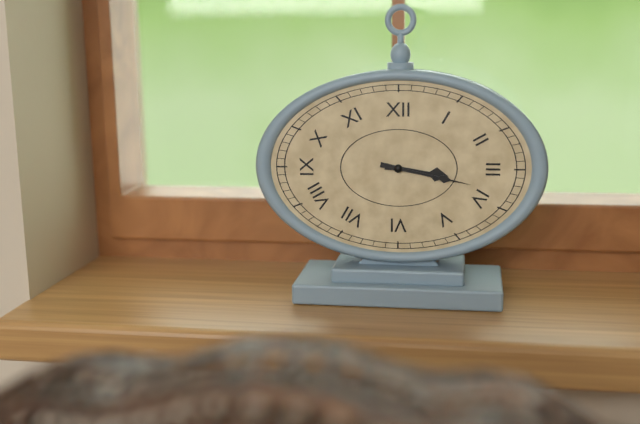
3 h 17 min
